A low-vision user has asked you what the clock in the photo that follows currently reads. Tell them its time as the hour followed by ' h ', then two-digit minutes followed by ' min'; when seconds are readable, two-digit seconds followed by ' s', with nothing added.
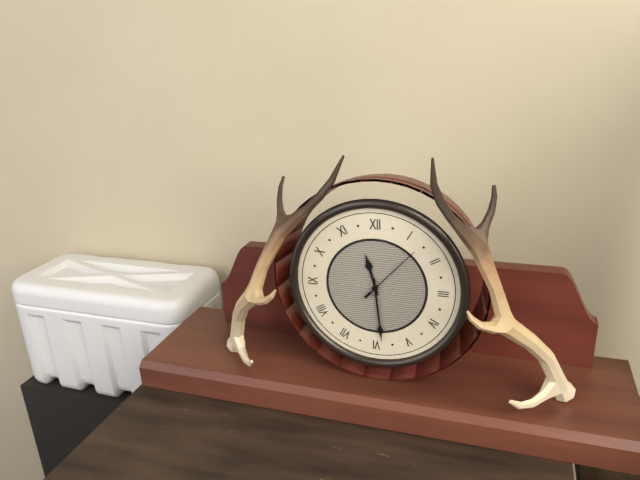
11 h 29 min 07 s
